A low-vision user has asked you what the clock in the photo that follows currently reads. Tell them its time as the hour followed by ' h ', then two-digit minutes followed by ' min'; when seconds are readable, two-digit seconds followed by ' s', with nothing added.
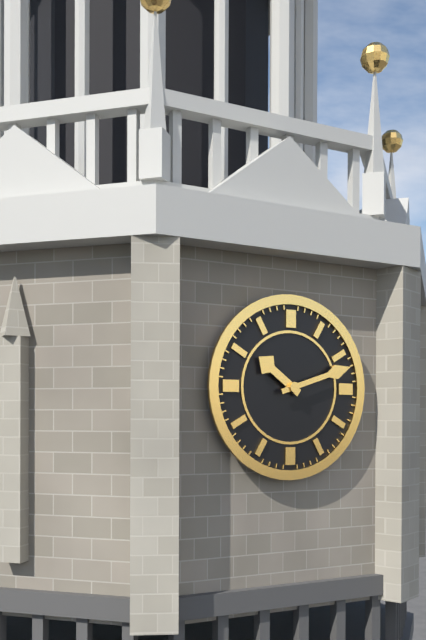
10 h 12 min
